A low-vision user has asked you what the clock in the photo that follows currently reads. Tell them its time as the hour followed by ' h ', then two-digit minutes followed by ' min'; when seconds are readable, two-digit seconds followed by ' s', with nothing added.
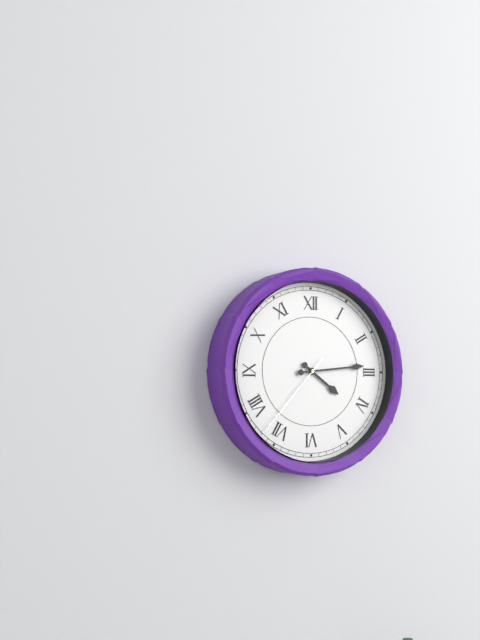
4 h 14 min 37 s
